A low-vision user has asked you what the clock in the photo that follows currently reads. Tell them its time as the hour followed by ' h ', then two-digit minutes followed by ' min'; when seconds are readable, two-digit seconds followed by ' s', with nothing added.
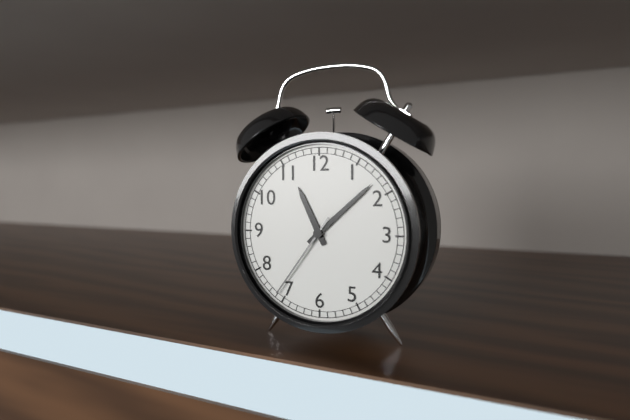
11 h 08 min 36 s
